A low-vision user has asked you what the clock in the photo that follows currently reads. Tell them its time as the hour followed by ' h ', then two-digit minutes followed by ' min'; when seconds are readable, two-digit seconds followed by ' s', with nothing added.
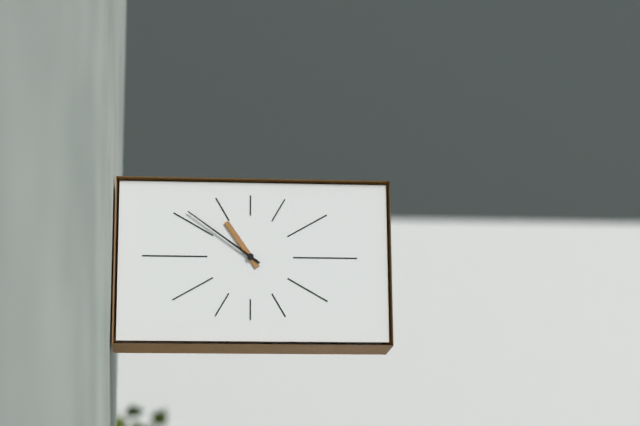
10 h 51 min
